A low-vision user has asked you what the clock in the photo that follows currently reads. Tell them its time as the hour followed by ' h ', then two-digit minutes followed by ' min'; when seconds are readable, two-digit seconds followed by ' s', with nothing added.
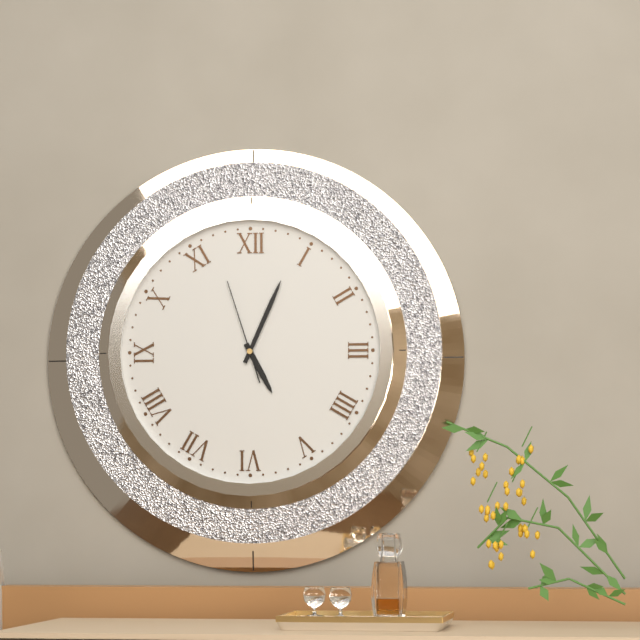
5 h 04 min 57 s
